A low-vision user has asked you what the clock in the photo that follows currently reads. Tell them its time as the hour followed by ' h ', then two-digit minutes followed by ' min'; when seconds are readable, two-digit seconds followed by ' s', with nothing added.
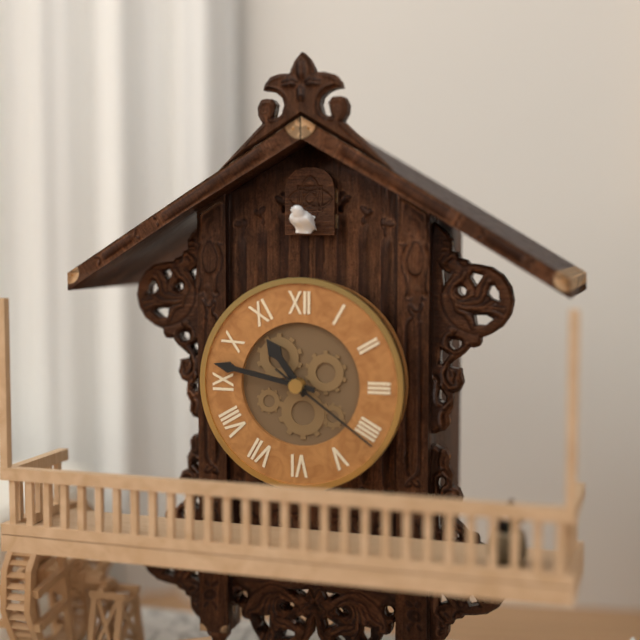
10 h 47 min 21 s
